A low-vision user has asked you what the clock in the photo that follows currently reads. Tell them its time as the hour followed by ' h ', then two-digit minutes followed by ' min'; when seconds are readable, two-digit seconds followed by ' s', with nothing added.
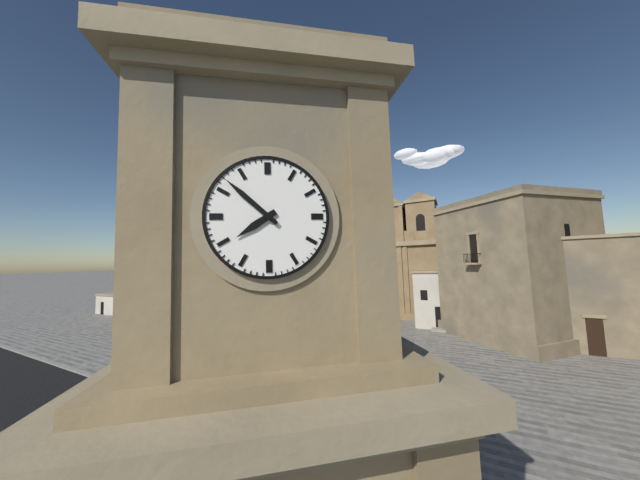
7 h 52 min
